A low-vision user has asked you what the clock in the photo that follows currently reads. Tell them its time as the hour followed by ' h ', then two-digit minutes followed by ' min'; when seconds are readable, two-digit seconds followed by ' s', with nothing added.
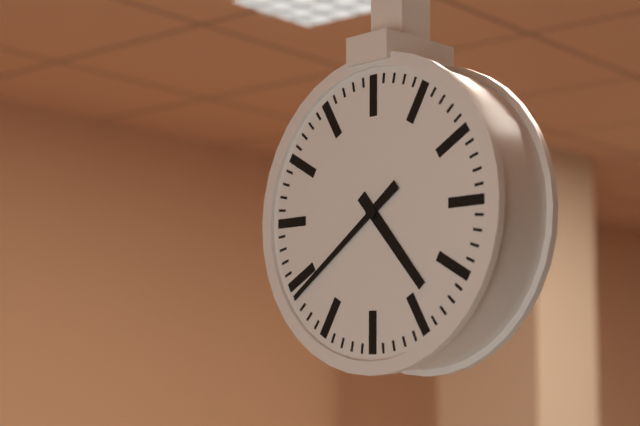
4 h 39 min
